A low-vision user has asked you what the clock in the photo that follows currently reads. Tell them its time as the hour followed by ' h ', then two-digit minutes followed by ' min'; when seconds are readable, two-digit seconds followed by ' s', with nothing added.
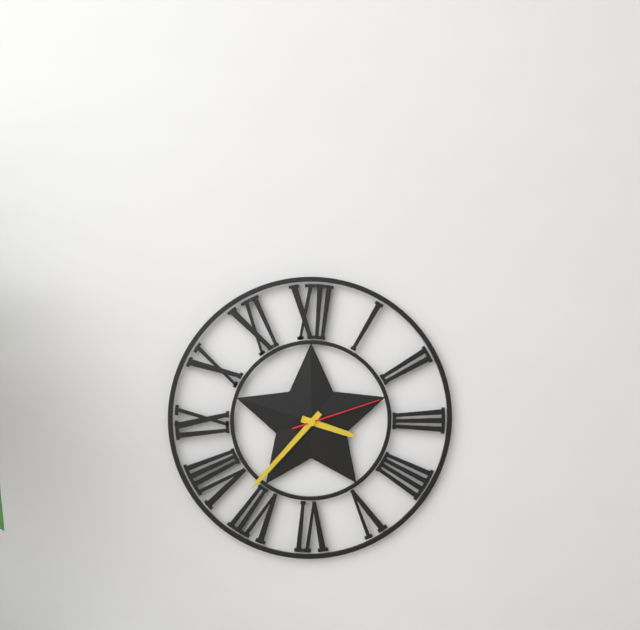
3 h 37 min 12 s
